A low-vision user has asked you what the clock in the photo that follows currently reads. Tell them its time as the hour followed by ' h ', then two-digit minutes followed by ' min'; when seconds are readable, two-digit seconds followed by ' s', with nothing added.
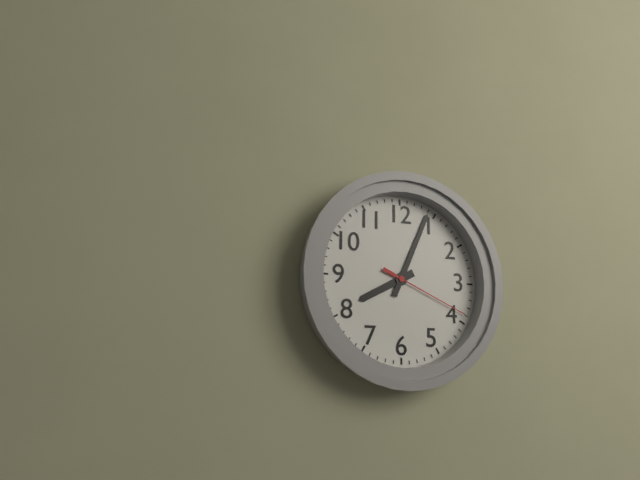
8 h 04 min 19 s
